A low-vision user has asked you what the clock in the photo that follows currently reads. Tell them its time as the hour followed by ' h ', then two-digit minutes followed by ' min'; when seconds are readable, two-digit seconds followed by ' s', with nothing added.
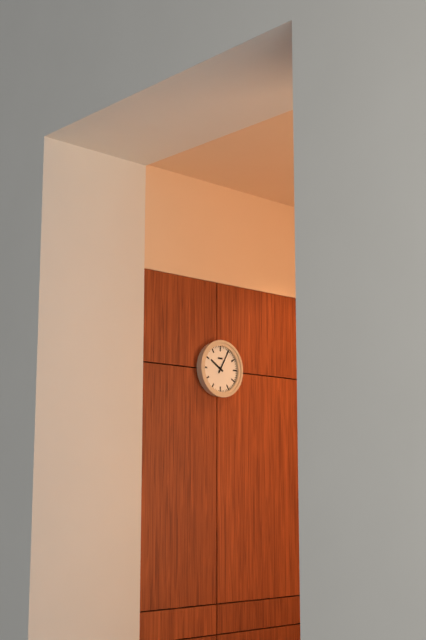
10 h 05 min
